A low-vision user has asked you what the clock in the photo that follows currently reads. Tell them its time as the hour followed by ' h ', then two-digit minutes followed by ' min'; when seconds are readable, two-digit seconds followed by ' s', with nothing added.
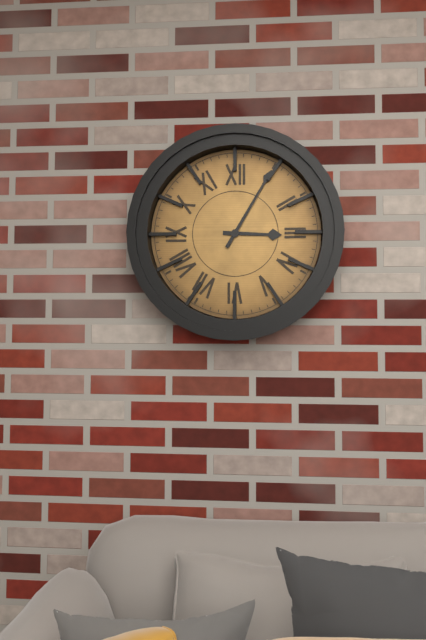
3 h 05 min
